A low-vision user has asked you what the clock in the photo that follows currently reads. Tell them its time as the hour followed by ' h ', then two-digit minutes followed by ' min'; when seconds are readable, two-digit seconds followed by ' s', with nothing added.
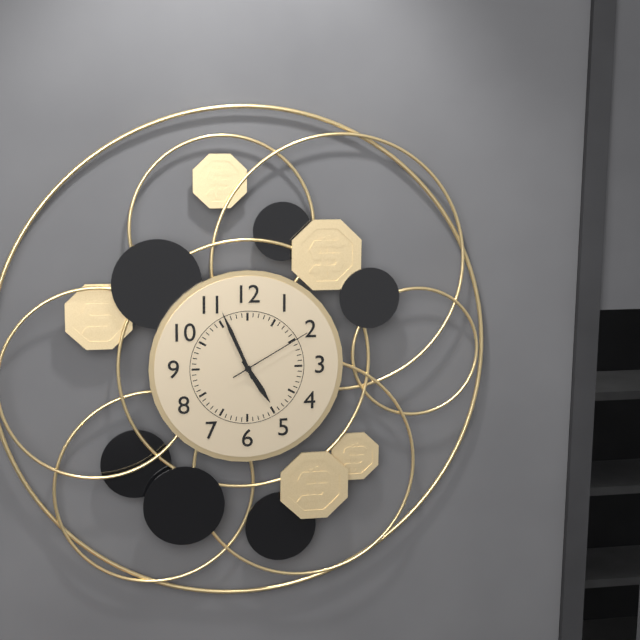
4 h 56 min 10 s
